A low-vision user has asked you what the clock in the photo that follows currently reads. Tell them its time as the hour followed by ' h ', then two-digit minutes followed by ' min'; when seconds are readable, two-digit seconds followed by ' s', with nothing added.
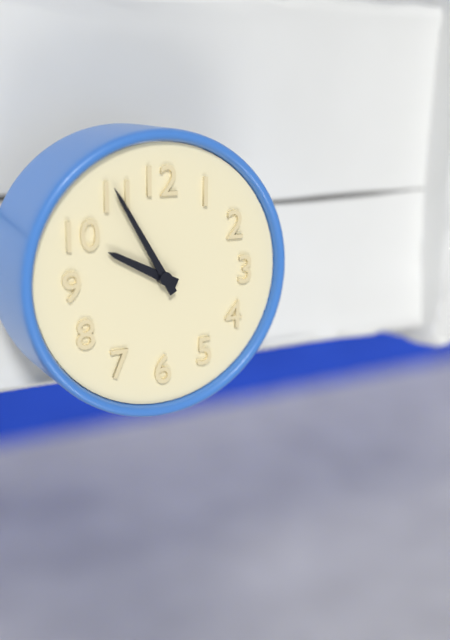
9 h 55 min
